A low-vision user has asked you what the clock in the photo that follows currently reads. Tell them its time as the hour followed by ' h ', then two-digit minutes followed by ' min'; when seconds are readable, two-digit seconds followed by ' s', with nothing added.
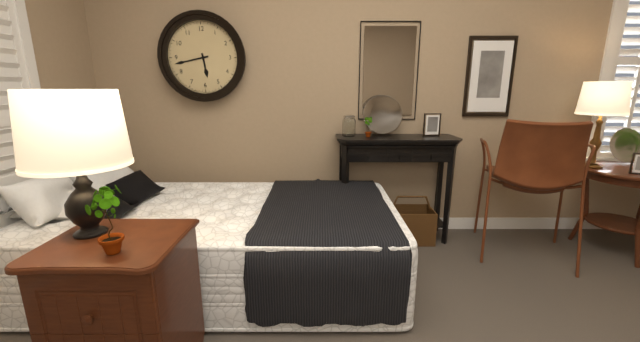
5 h 43 min
